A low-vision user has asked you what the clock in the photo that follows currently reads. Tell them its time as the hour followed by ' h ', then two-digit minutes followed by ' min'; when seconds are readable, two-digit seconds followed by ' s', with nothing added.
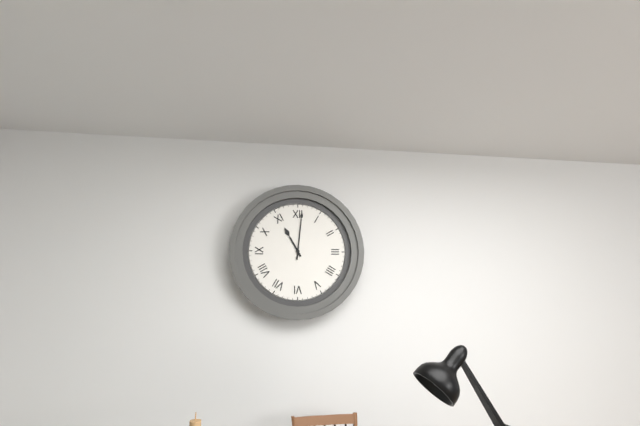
11 h 01 min
